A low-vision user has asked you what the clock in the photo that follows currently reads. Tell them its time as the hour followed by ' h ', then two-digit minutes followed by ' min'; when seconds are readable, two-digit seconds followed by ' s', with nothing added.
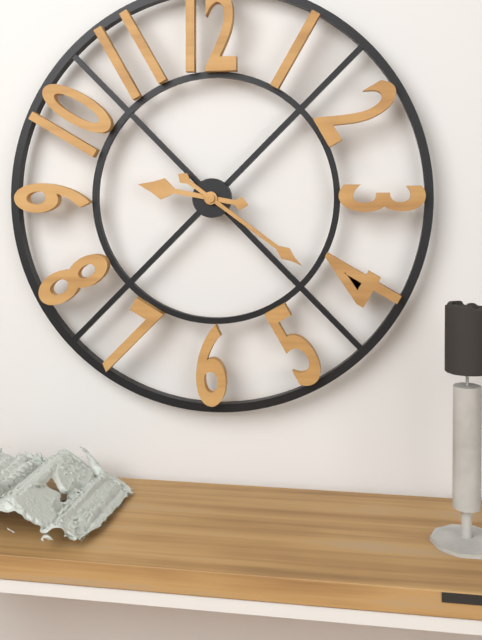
9 h 21 min
